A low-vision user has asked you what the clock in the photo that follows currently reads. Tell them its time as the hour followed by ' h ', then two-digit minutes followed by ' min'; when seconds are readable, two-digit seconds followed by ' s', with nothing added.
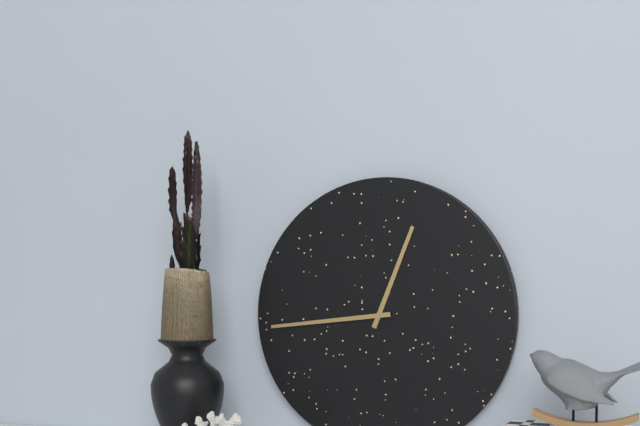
12 h 44 min
